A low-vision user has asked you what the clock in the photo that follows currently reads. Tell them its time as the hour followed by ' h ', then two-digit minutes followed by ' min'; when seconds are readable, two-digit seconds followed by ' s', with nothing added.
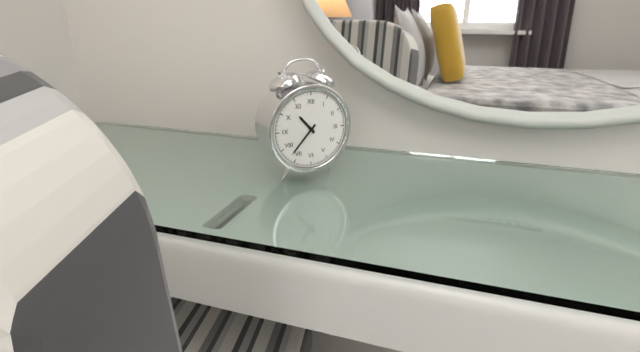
10 h 37 min
